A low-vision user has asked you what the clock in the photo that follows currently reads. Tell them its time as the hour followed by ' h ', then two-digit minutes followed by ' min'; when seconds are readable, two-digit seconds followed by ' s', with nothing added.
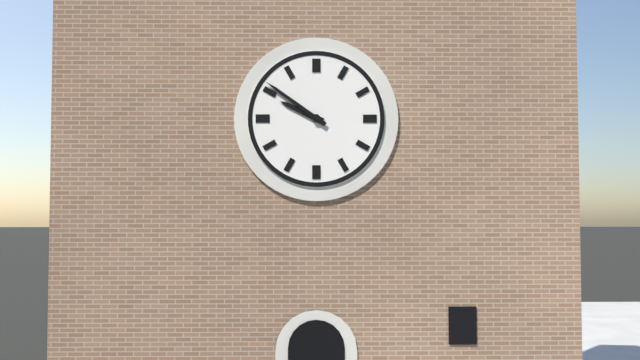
9 h 51 min
